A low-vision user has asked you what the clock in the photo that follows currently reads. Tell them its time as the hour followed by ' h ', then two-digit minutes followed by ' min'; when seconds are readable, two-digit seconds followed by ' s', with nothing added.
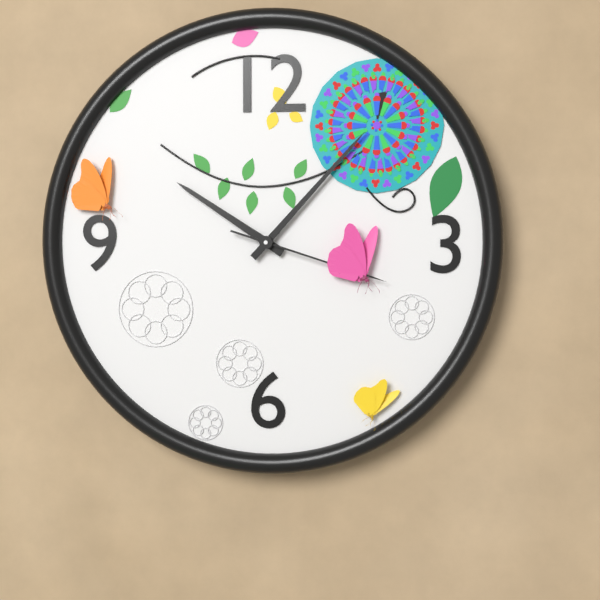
10 h 07 min 18 s
